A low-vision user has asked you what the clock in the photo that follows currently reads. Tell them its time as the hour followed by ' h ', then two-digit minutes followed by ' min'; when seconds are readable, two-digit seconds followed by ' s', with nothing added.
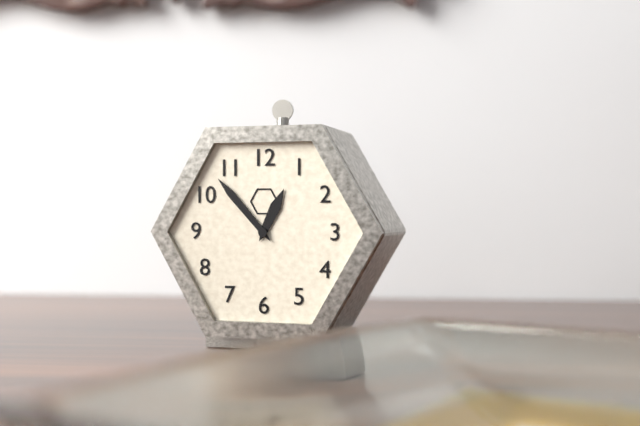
12 h 53 min
